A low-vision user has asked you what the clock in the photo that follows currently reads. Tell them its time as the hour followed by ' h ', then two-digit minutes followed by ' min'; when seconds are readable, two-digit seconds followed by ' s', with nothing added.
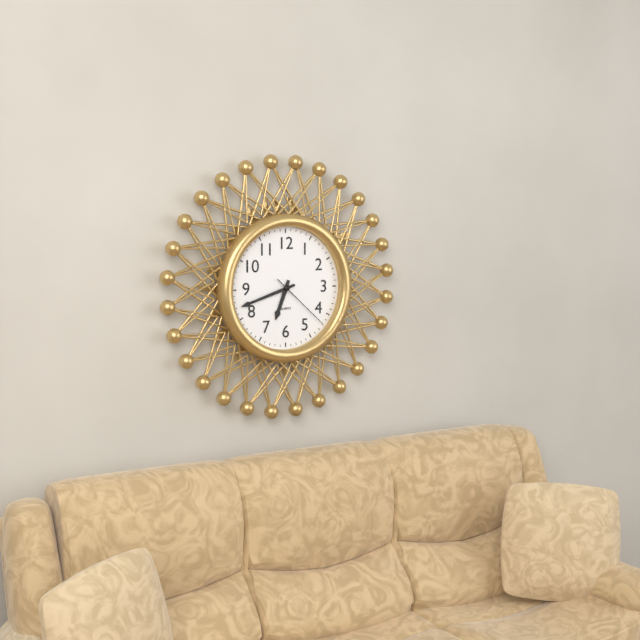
6 h 42 min 22 s
